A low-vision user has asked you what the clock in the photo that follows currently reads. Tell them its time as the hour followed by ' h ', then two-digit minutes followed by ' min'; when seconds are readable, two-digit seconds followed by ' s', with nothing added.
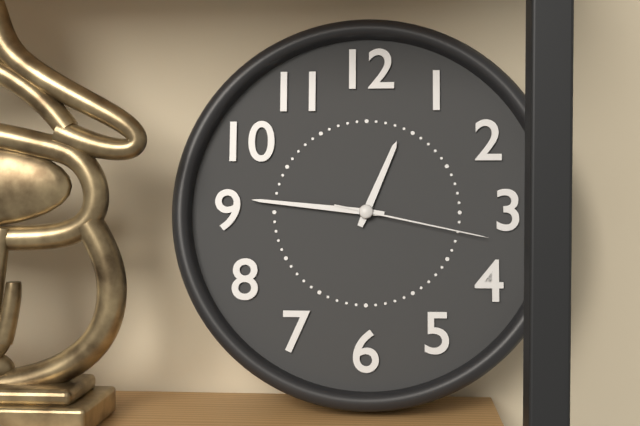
12 h 46 min 17 s
